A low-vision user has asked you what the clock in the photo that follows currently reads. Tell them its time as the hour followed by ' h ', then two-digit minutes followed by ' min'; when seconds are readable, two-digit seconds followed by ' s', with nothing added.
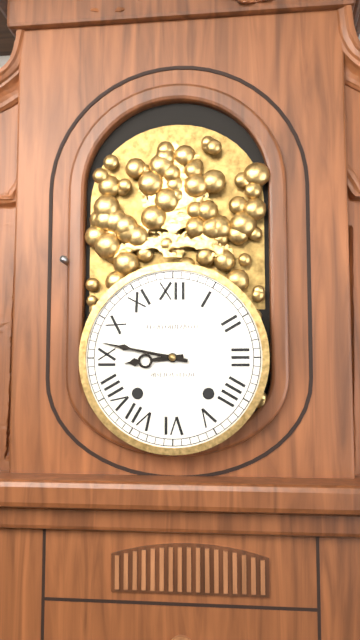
8 h 47 min
